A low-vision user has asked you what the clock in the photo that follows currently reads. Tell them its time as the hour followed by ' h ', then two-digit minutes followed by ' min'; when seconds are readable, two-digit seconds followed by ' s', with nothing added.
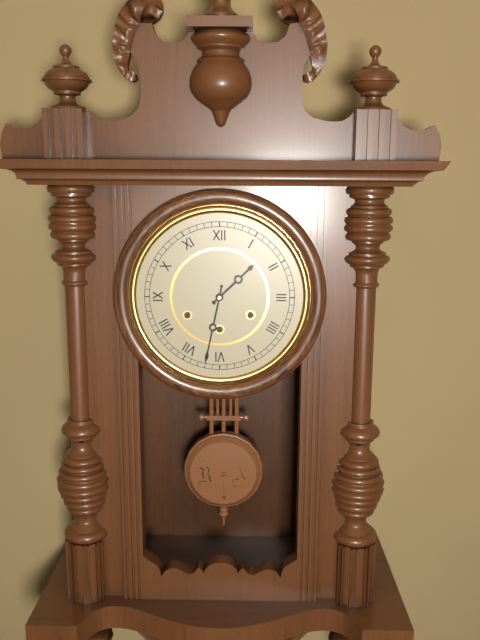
1 h 32 min
